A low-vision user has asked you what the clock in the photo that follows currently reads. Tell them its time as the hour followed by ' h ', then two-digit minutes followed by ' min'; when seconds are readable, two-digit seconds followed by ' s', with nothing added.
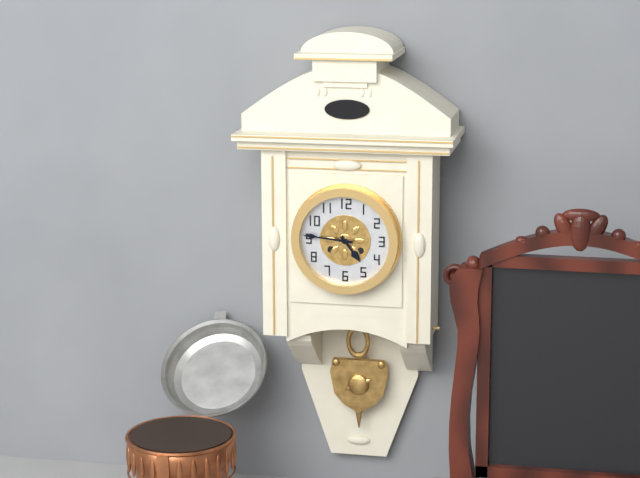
4 h 46 min
